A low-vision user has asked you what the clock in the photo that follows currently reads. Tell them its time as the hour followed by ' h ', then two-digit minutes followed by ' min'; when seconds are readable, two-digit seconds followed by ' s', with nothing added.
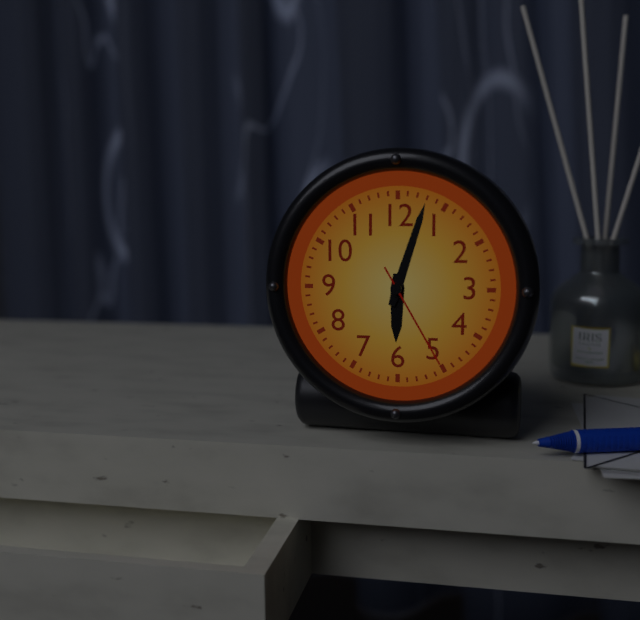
6 h 03 min 25 s
